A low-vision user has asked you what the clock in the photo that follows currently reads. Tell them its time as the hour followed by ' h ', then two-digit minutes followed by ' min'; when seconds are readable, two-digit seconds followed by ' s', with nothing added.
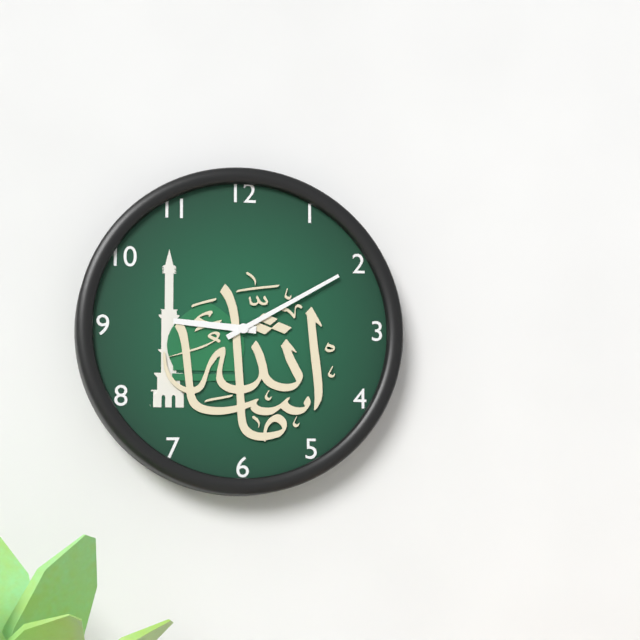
9 h 10 min
